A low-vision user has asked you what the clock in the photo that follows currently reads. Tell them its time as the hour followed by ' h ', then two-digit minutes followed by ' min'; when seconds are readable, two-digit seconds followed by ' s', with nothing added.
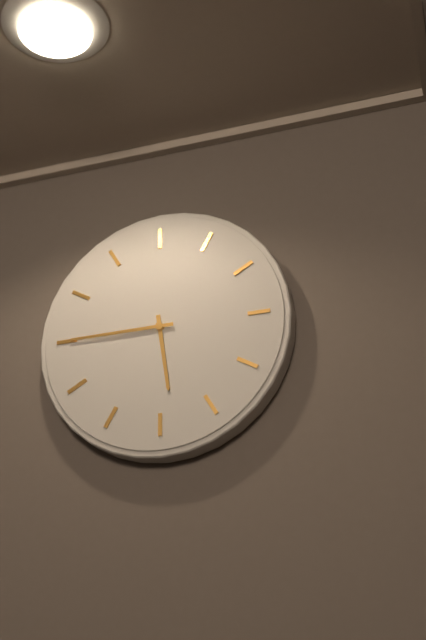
5 h 45 min
